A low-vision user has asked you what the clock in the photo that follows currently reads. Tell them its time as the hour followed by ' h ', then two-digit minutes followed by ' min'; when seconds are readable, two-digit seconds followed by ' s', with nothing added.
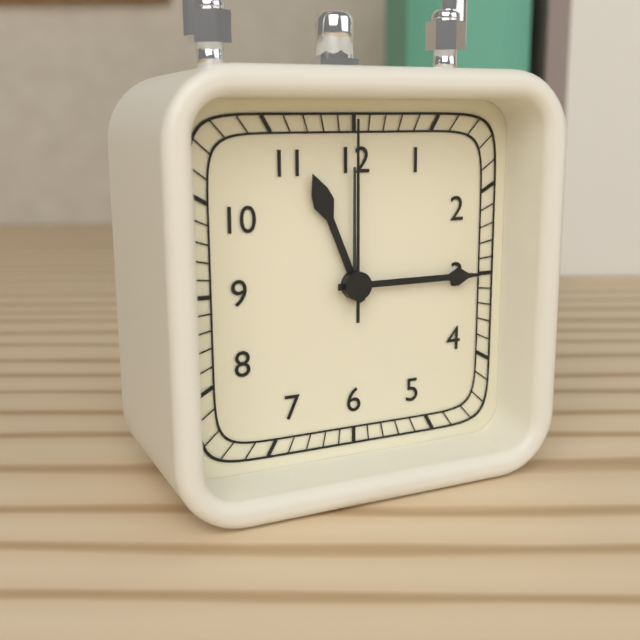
11 h 15 min 00 s
